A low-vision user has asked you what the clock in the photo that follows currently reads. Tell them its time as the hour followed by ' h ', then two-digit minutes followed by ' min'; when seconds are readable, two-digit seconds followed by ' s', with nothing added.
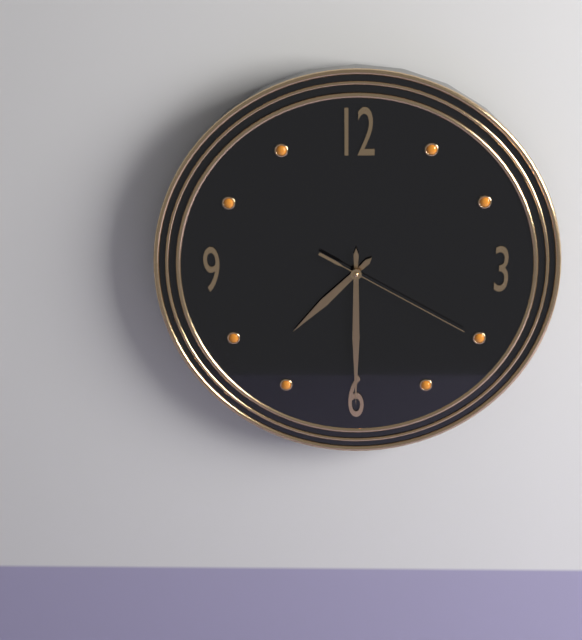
7 h 30 min 20 s
